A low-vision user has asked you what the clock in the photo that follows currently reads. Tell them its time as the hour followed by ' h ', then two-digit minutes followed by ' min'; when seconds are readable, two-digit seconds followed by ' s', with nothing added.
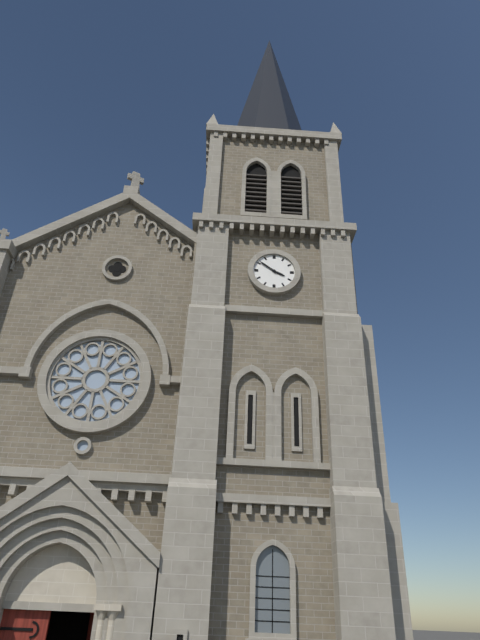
3 h 51 min
